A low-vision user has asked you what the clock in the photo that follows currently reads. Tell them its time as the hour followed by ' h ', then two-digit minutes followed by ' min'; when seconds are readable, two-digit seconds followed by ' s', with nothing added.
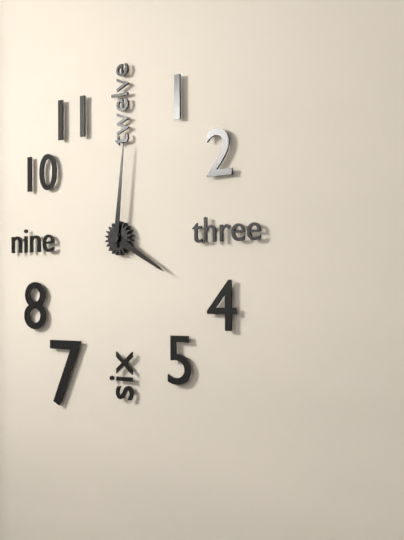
4 h 01 min
